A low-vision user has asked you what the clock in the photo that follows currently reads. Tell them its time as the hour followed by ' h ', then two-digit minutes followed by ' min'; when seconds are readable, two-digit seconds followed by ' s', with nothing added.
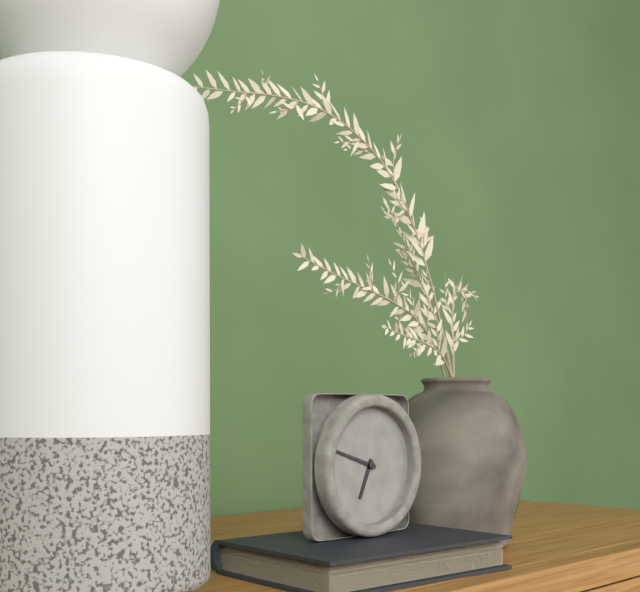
6 h 48 min
